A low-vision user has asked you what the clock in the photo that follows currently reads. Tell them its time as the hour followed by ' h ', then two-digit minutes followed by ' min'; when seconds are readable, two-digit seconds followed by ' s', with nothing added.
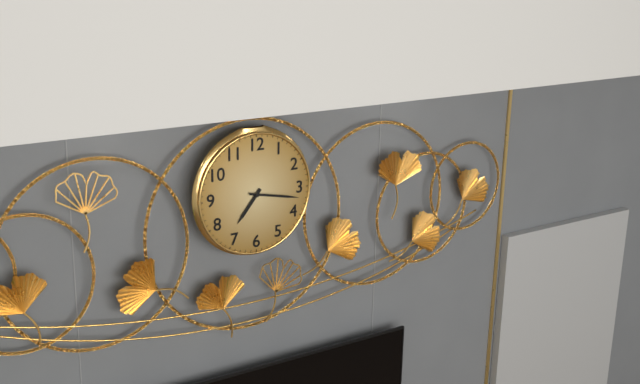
7 h 17 min
